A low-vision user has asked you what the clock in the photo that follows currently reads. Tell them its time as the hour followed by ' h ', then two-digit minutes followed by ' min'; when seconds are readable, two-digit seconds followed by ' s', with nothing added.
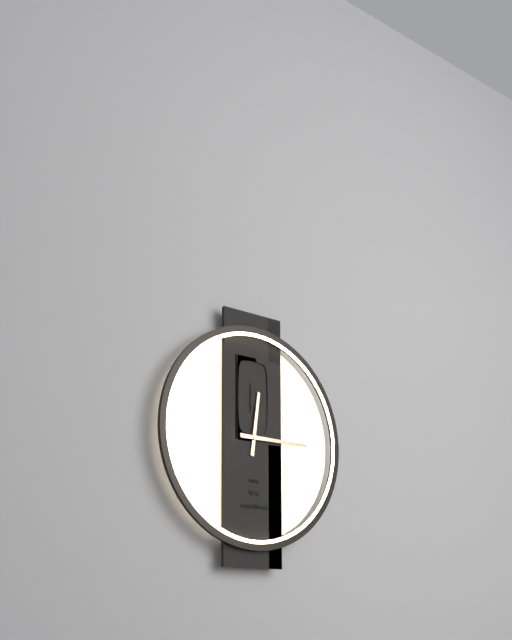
12 h 15 min
